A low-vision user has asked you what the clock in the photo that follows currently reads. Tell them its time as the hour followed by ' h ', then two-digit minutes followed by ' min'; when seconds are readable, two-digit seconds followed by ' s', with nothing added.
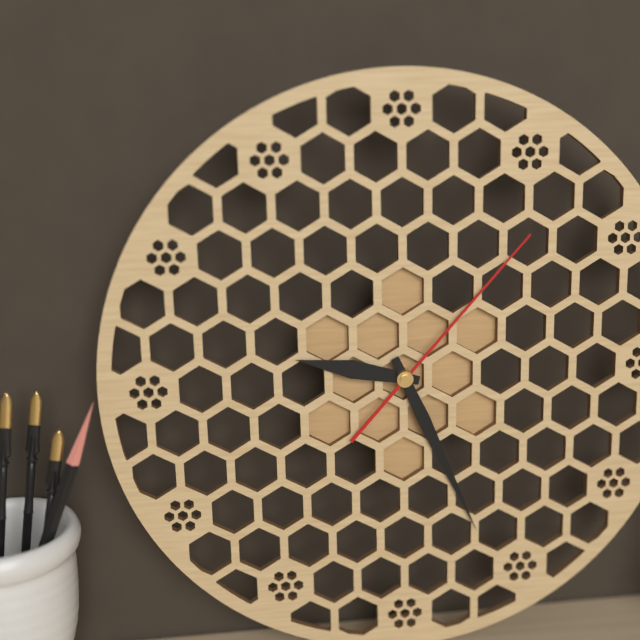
9 h 26 min 07 s
